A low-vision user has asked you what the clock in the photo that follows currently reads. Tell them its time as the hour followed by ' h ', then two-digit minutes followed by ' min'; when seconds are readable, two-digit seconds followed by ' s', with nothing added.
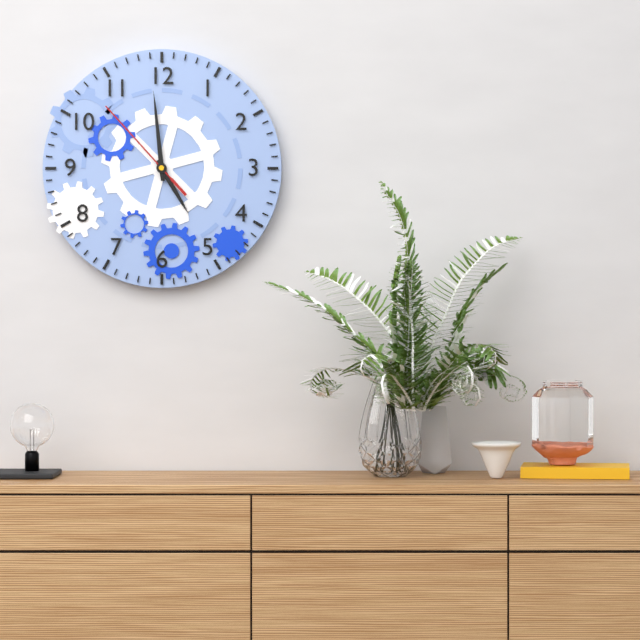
4 h 59 min 53 s
